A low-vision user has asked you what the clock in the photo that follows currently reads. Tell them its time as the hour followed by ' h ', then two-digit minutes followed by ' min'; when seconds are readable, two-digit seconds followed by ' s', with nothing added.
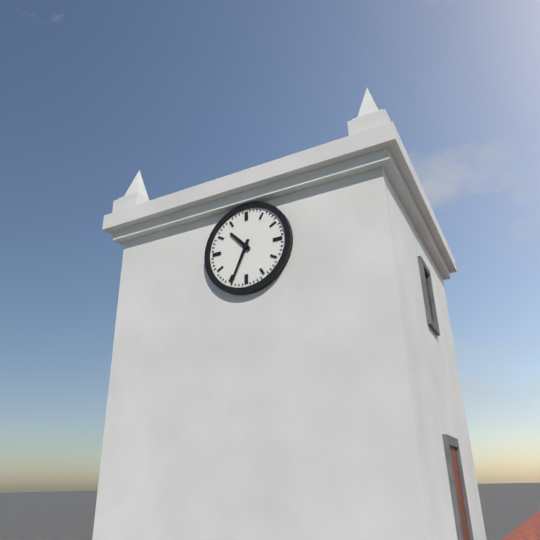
10 h 34 min
